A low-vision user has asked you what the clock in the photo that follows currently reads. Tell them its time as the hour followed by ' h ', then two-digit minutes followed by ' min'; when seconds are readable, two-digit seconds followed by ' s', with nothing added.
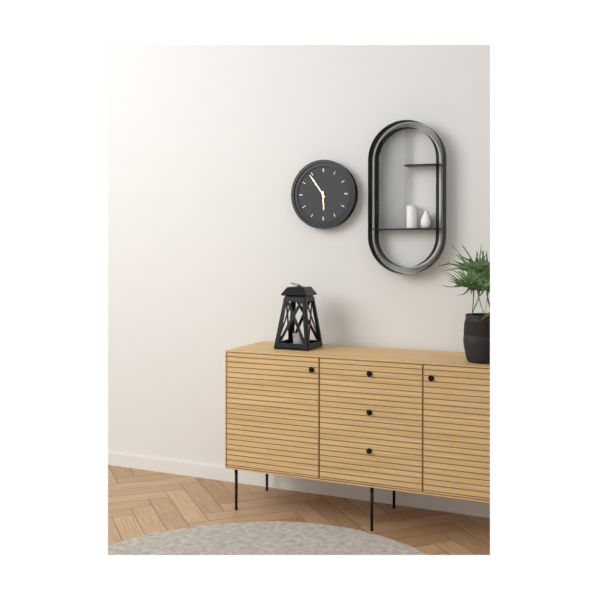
5 h 54 min
